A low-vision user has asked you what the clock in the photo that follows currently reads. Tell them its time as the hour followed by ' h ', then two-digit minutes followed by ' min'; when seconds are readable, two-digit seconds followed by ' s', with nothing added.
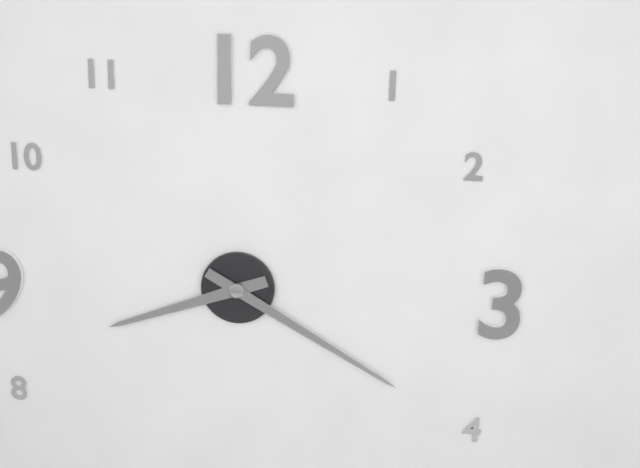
8 h 20 min
